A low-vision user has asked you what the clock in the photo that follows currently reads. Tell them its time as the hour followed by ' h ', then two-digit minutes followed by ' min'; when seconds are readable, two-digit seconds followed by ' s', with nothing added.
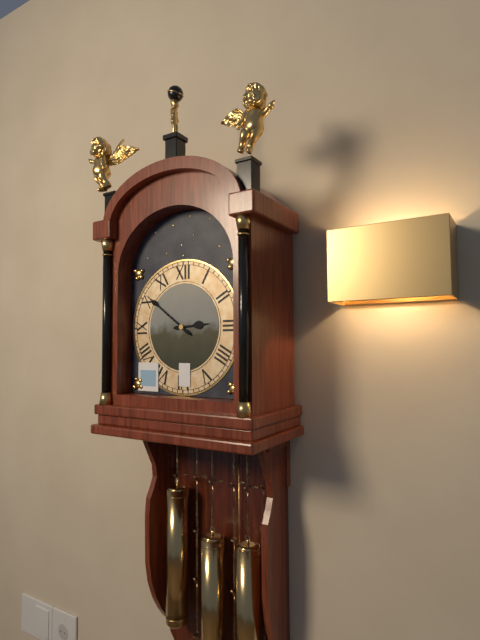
2 h 51 min
